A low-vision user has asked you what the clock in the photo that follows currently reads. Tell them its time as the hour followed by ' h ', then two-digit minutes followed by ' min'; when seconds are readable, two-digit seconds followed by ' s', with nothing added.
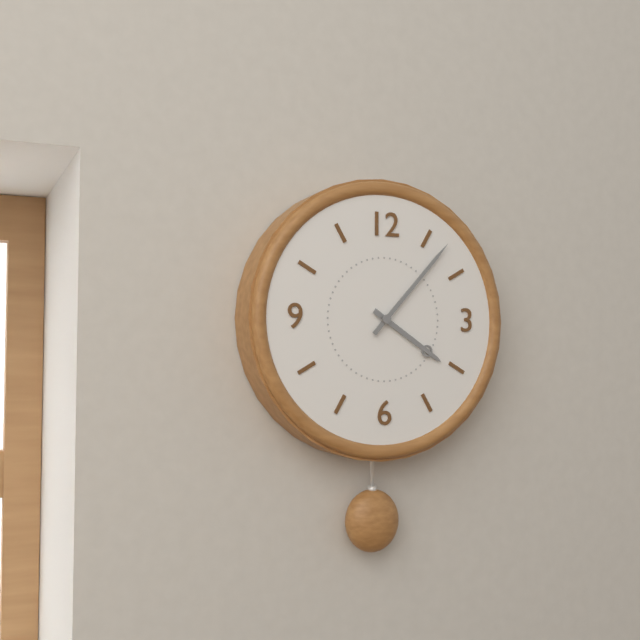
4 h 07 min
